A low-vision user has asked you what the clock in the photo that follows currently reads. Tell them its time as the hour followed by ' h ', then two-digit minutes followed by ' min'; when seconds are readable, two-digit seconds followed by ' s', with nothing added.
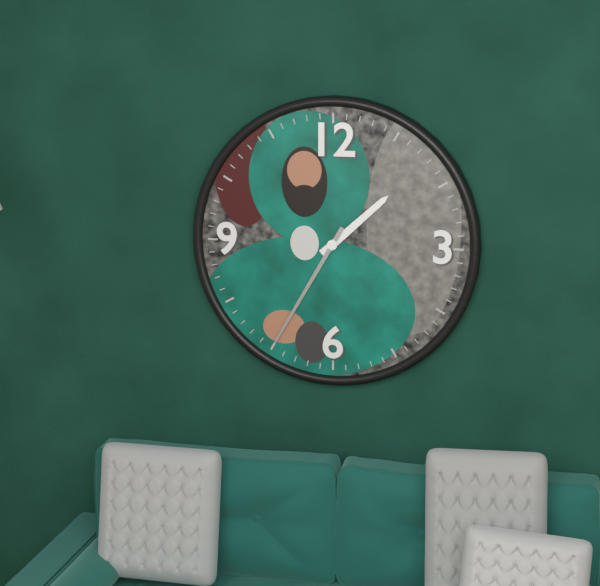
1 h 35 min
